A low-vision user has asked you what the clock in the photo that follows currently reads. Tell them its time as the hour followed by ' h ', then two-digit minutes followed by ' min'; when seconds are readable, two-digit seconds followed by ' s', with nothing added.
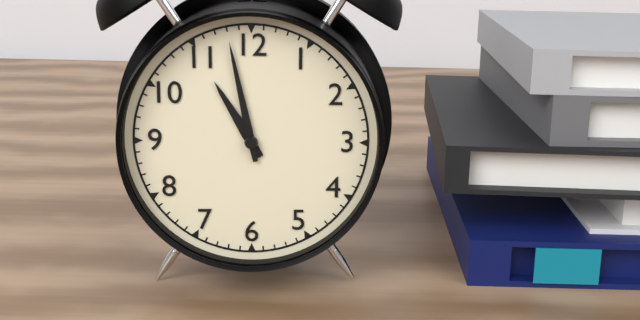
10 h 58 min
